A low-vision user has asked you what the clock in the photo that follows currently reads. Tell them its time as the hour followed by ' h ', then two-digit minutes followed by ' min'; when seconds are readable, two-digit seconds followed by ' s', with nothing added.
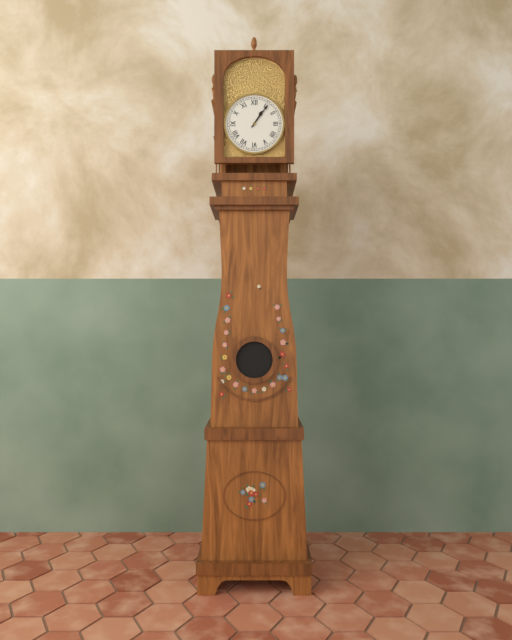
1 h 06 min
